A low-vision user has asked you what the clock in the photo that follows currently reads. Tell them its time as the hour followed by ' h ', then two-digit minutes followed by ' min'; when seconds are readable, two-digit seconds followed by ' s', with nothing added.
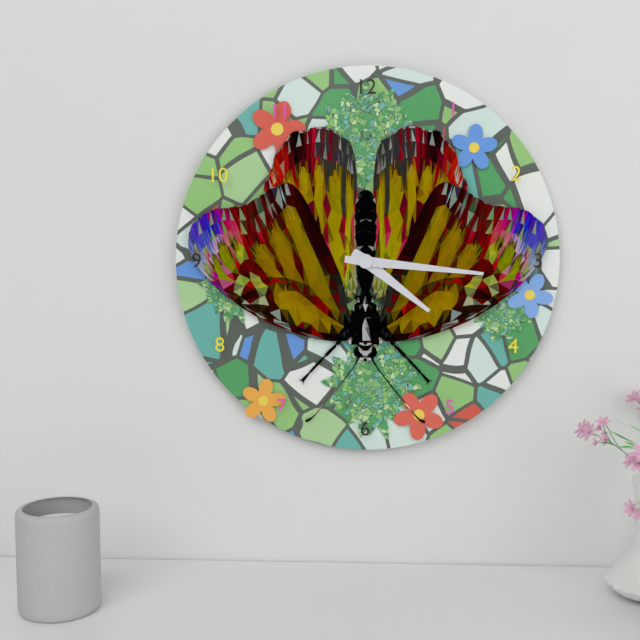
4 h 16 min
